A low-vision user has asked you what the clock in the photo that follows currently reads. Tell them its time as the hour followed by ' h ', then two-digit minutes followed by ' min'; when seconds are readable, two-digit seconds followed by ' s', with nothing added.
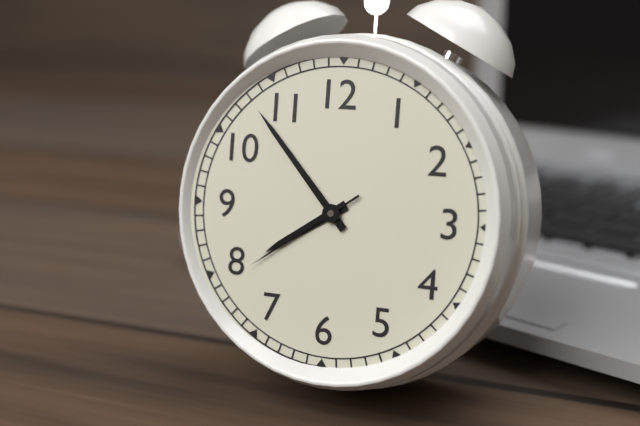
7 h 53 min 39 s
